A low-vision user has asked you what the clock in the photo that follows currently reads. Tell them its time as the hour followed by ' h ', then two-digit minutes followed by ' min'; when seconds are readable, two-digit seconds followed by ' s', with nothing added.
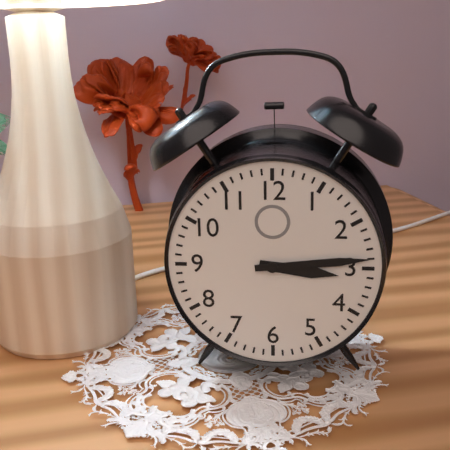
3 h 14 min
